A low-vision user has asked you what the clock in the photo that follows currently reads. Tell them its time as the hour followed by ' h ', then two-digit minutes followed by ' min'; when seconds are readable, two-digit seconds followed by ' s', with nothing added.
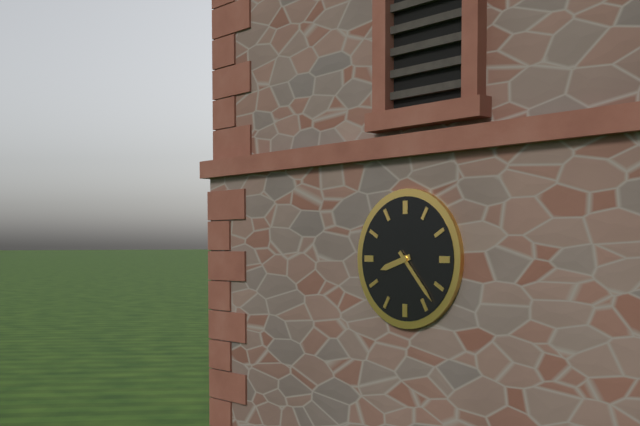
8 h 23 min
